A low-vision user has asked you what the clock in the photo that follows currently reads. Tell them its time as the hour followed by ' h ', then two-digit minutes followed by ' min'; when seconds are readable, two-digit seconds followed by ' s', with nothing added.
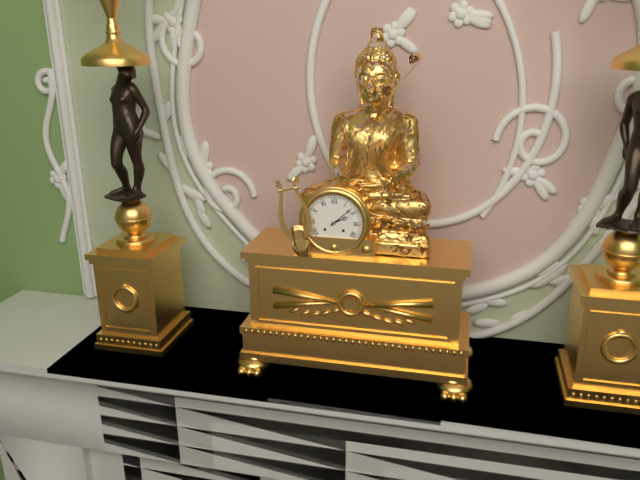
2 h 08 min
